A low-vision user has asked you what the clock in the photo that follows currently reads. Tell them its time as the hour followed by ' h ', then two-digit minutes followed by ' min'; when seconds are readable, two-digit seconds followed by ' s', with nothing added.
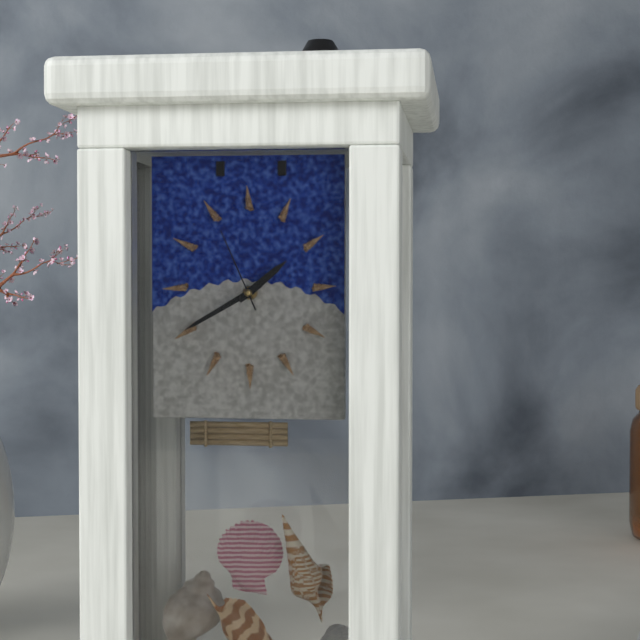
1 h 40 min 56 s
